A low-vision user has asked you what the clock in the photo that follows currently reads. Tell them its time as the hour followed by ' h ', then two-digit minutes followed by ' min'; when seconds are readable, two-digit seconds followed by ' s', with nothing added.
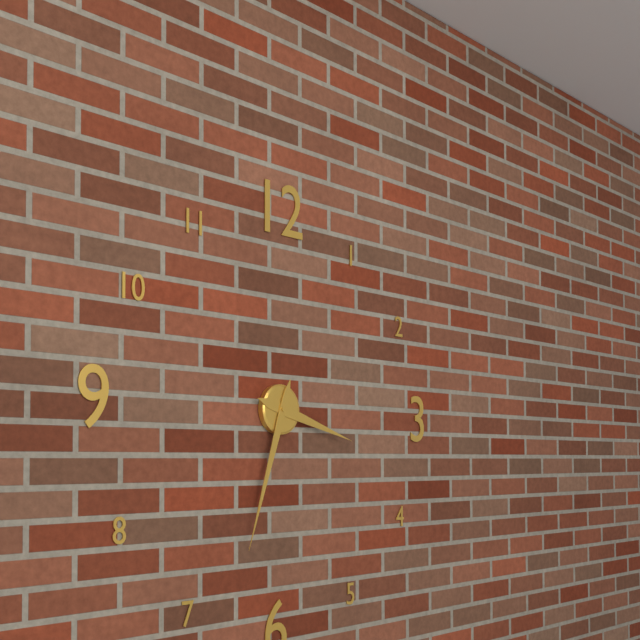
3 h 33 min
